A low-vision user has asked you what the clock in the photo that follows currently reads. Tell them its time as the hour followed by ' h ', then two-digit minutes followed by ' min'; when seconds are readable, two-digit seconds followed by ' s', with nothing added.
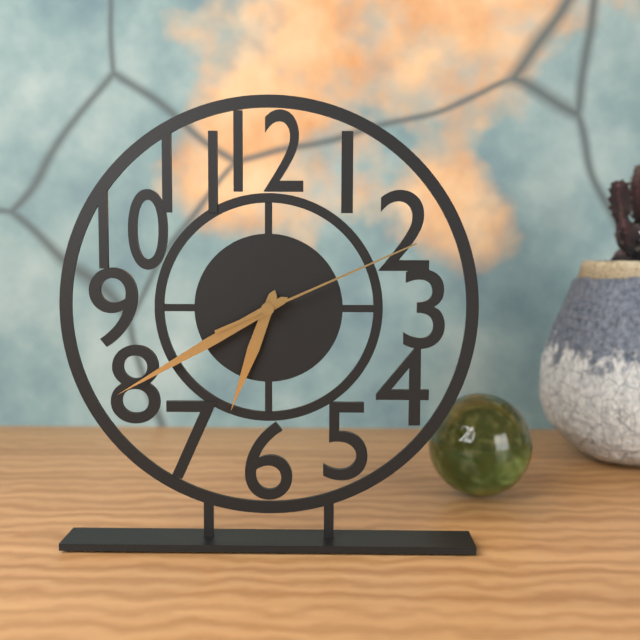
6 h 40 min 11 s
